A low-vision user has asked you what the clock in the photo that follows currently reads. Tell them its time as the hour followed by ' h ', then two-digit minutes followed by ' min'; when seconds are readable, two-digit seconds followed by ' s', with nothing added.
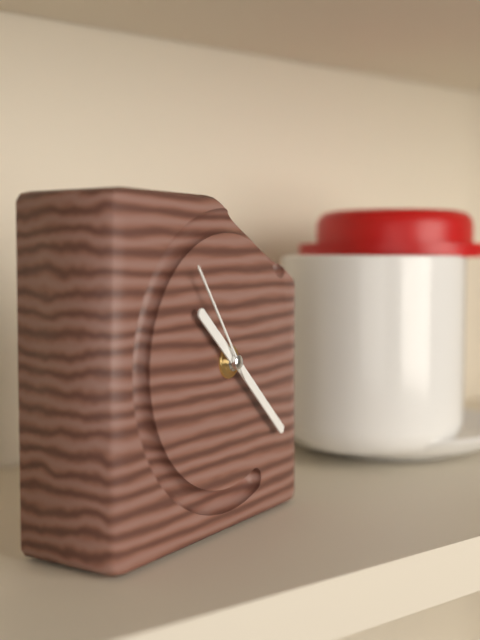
10 h 22 min 54 s
